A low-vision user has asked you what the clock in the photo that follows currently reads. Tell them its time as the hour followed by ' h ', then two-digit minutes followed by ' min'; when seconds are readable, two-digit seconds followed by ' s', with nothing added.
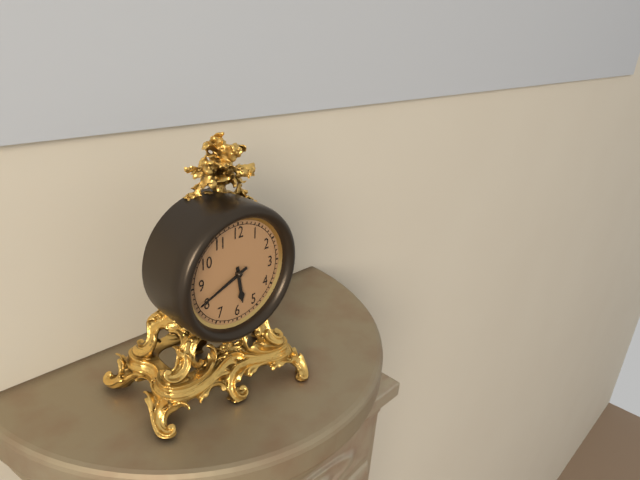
5 h 41 min
